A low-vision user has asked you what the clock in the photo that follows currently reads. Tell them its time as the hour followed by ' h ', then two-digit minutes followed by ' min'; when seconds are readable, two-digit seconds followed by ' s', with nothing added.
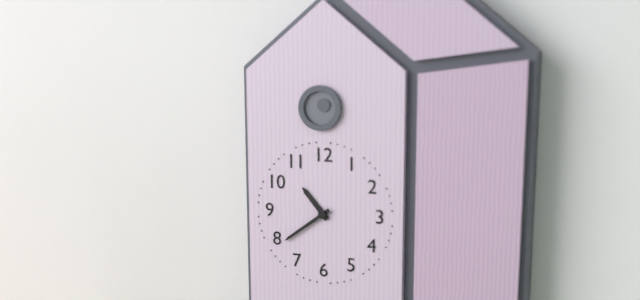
10 h 39 min
